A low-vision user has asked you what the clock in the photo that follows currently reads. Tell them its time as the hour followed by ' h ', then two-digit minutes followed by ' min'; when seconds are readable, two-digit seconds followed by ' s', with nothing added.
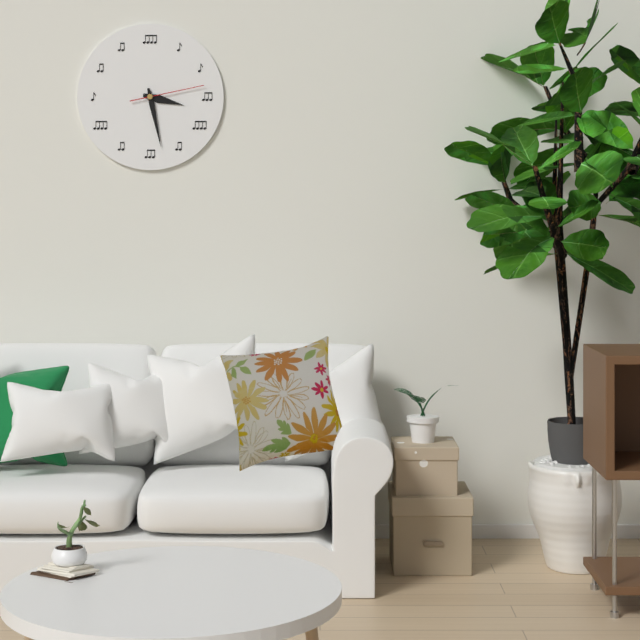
3 h 28 min 13 s
